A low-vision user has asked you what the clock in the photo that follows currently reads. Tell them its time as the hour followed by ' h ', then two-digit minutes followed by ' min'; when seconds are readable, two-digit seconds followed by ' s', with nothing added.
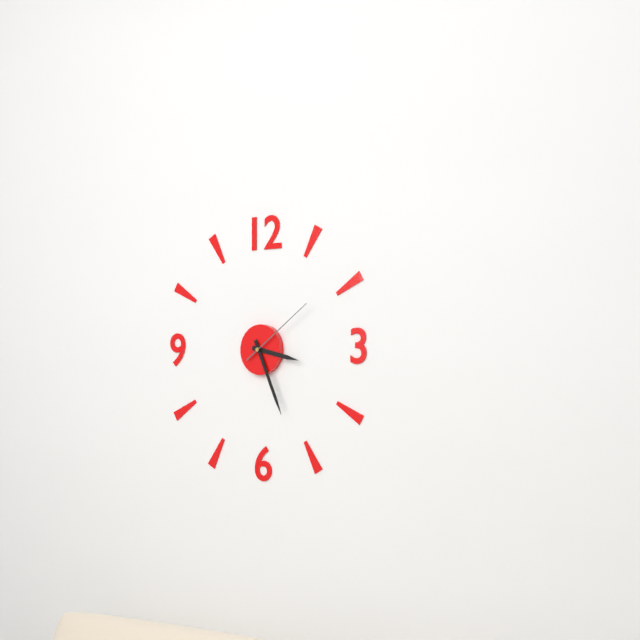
3 h 26 min 09 s
